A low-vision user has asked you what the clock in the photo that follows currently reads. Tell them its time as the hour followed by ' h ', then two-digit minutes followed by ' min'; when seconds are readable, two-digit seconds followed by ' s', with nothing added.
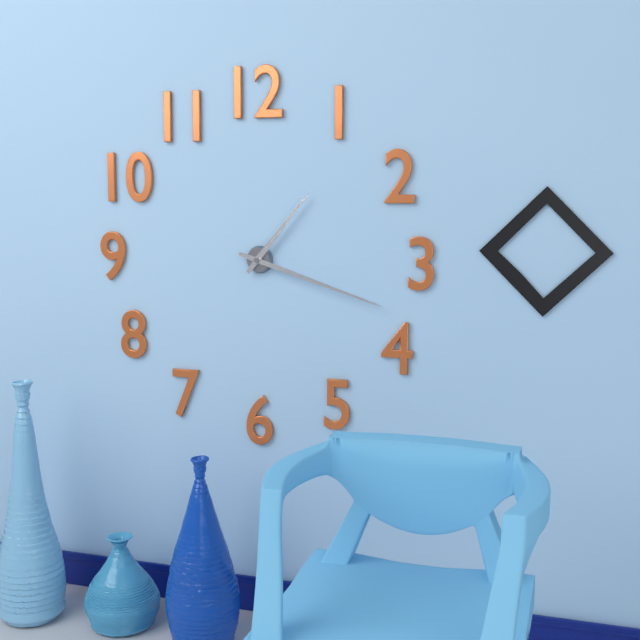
1 h 18 min
